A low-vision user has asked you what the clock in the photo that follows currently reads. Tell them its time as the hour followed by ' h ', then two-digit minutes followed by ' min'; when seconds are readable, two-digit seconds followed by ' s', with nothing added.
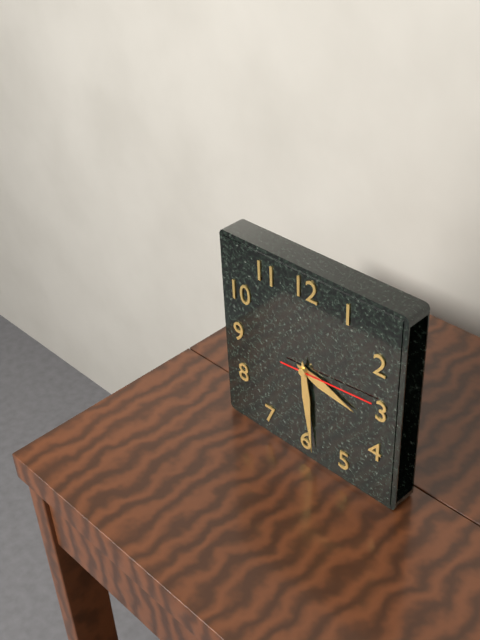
3 h 29 min 14 s
